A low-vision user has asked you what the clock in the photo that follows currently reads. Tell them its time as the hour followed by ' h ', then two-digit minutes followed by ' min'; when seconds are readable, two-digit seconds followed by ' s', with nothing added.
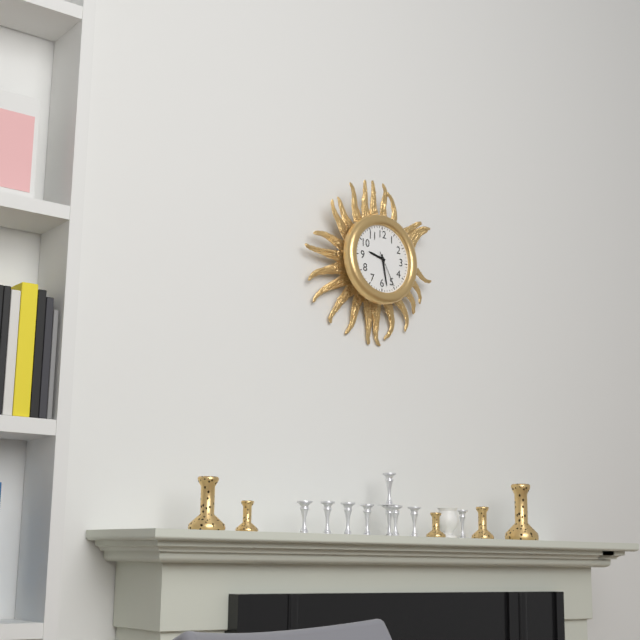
9 h 28 min
